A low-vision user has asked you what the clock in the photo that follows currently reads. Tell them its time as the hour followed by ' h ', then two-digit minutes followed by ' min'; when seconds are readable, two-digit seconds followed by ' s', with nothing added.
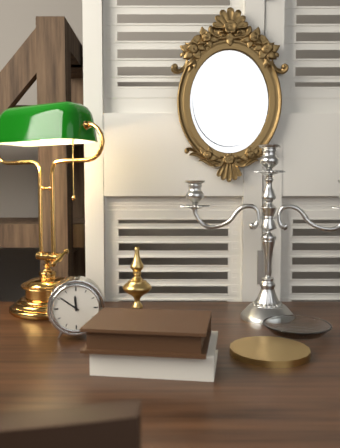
11 h 51 min
